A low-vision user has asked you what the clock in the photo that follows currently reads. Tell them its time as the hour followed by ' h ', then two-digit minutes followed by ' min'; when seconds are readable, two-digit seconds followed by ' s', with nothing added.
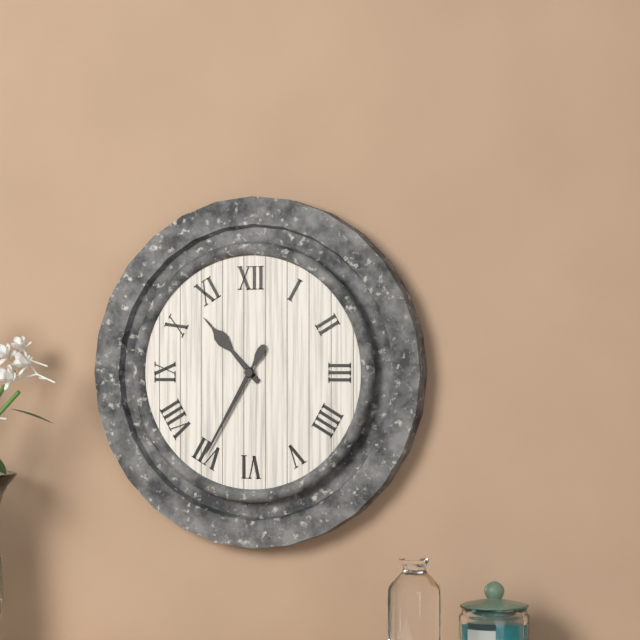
10 h 35 min
